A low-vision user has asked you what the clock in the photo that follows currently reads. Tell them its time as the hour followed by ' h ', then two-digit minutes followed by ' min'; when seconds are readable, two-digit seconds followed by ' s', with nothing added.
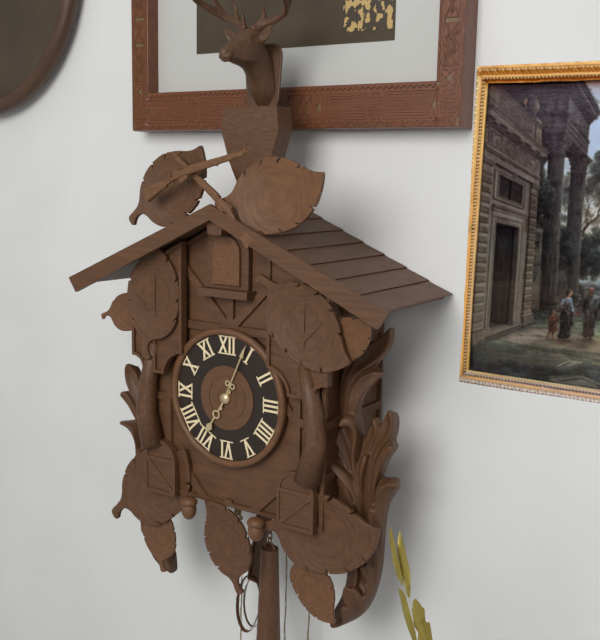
7 h 04 min
